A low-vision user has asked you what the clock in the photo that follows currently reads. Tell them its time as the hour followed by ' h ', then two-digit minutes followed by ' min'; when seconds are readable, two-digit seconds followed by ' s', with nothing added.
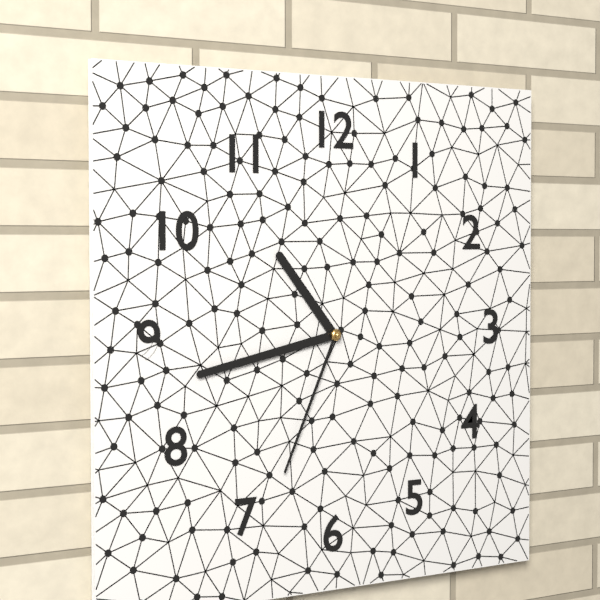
10 h 43 min 34 s
